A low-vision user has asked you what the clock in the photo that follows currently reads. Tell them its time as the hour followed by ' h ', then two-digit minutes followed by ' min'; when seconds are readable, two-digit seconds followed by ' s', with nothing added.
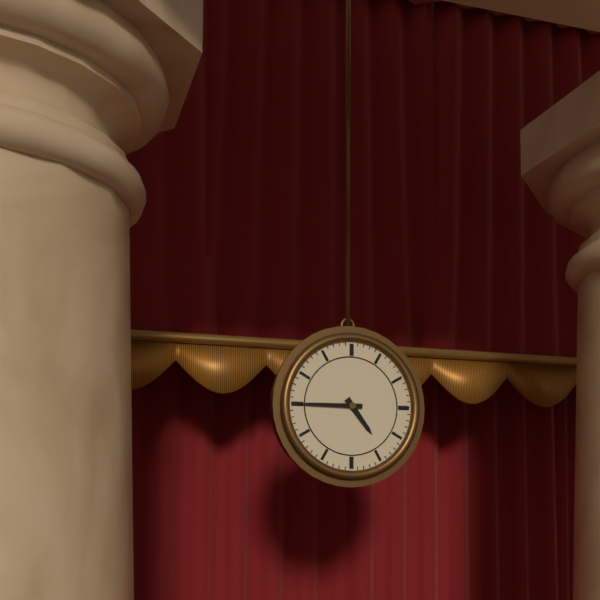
4 h 45 min
